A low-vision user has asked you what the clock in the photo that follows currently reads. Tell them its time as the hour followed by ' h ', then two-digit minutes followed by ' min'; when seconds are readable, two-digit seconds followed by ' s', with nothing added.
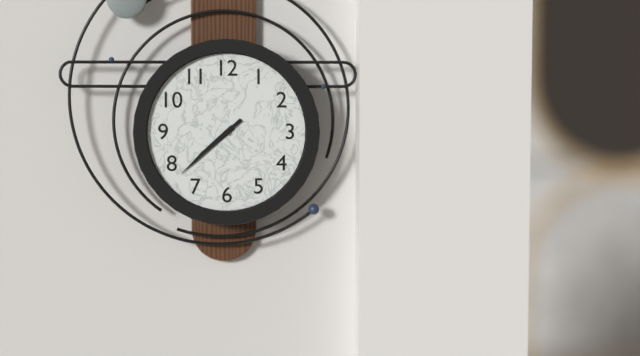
7 h 38 min
